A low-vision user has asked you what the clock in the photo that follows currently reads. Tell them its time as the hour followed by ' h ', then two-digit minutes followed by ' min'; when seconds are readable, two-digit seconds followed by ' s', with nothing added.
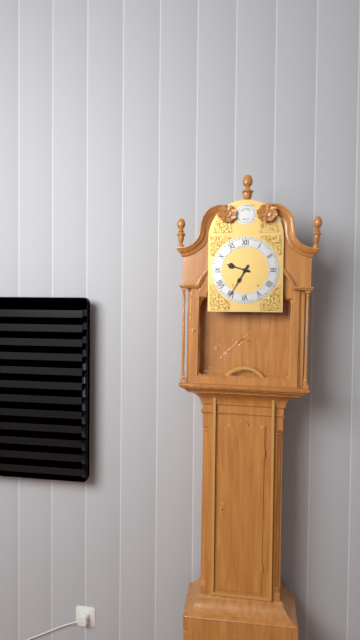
9 h 35 min
